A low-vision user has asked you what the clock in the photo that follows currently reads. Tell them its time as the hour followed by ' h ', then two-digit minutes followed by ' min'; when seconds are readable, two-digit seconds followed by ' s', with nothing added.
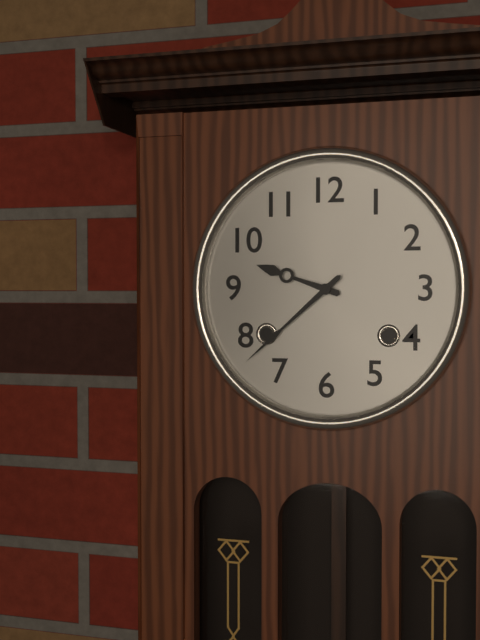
9 h 38 min
